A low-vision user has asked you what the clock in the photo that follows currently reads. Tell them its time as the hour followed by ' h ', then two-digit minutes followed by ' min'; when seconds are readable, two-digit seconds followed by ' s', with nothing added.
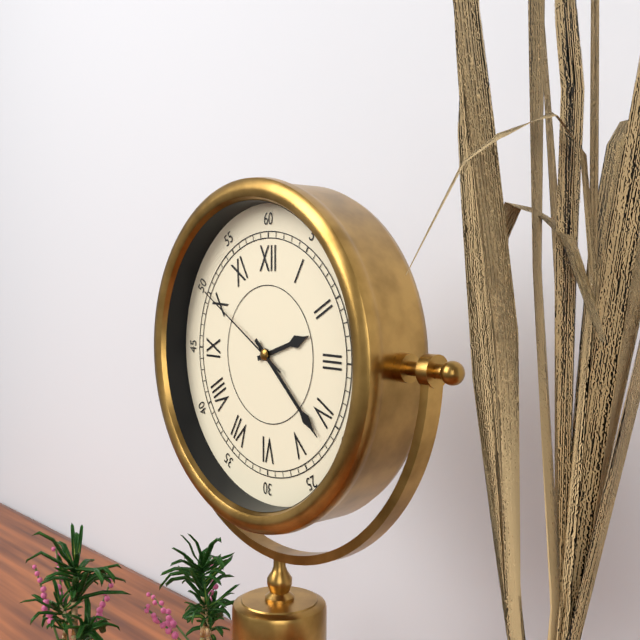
2 h 22 min 50 s
